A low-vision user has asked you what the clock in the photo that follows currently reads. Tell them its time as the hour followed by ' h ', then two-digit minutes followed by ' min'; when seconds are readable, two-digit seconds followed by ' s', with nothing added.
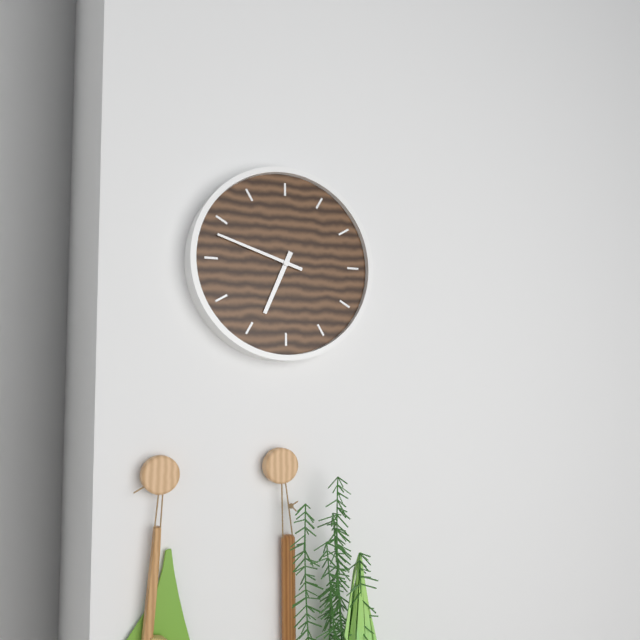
6 h 48 min
